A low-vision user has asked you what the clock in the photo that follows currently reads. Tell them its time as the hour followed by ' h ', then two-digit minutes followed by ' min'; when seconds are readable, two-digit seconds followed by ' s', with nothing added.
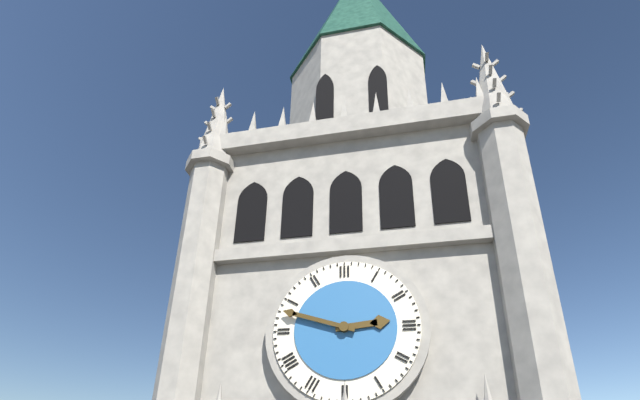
2 h 48 min
